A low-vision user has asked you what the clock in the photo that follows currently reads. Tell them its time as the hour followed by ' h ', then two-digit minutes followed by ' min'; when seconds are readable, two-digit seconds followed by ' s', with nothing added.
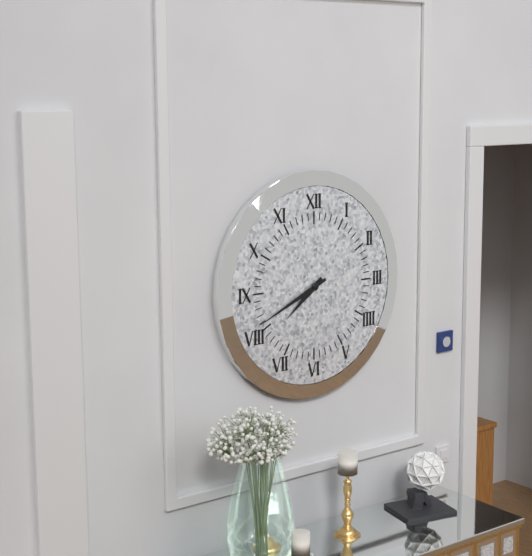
7 h 41 min
